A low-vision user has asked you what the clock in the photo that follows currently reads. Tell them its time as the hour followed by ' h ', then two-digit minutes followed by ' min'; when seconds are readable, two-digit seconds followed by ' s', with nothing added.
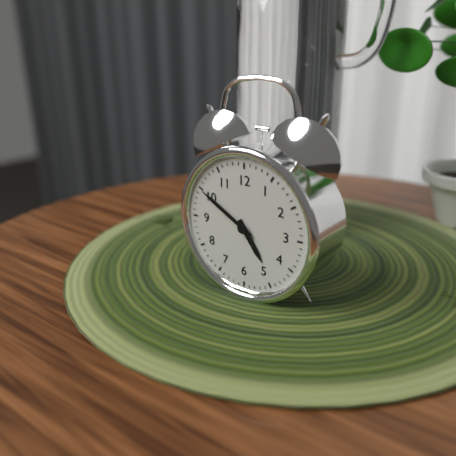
4 h 50 min
